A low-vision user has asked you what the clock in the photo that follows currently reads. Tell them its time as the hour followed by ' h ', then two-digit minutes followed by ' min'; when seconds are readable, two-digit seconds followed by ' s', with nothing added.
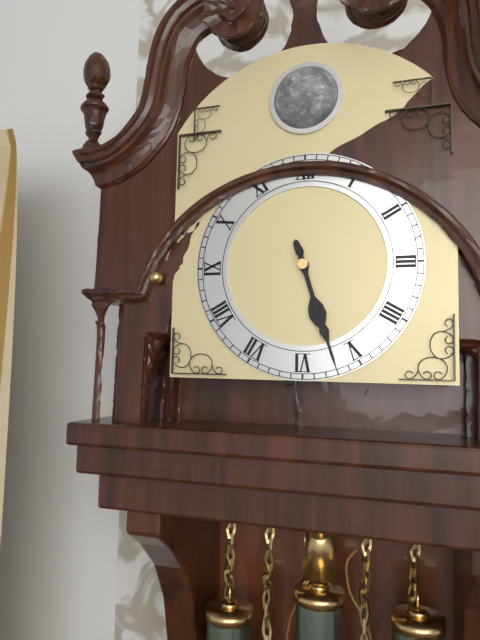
5 h 27 min
